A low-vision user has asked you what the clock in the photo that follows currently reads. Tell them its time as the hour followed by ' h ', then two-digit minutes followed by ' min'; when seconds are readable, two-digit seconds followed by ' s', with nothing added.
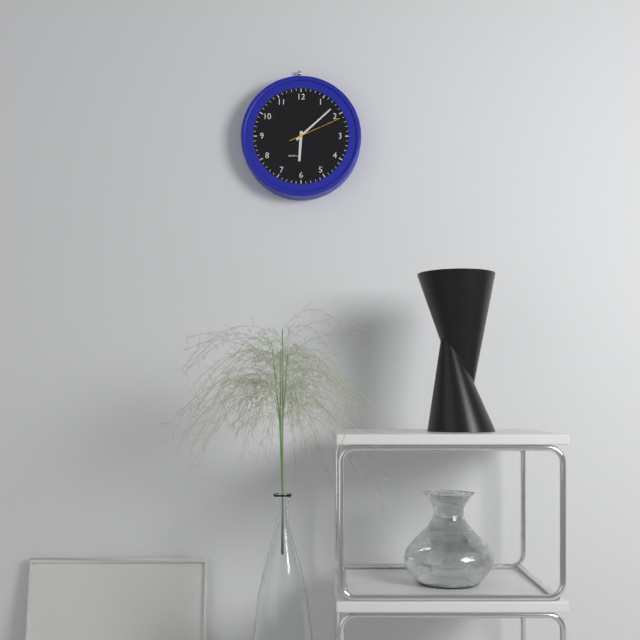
6 h 08 min 11 s
